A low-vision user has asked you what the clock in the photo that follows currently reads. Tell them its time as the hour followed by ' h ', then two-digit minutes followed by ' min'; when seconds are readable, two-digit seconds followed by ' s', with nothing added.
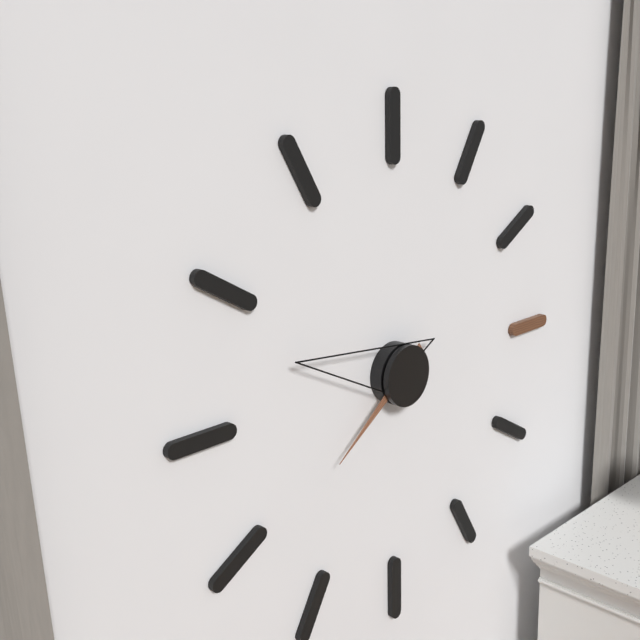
7 h 48 min
